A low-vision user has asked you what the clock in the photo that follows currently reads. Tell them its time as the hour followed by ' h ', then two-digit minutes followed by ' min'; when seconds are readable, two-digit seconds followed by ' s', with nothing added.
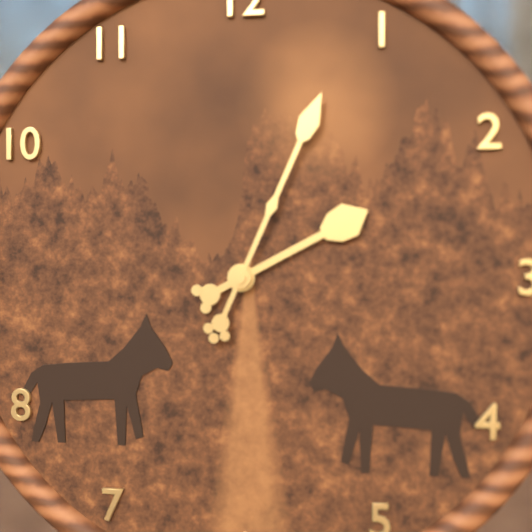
2 h 04 min
